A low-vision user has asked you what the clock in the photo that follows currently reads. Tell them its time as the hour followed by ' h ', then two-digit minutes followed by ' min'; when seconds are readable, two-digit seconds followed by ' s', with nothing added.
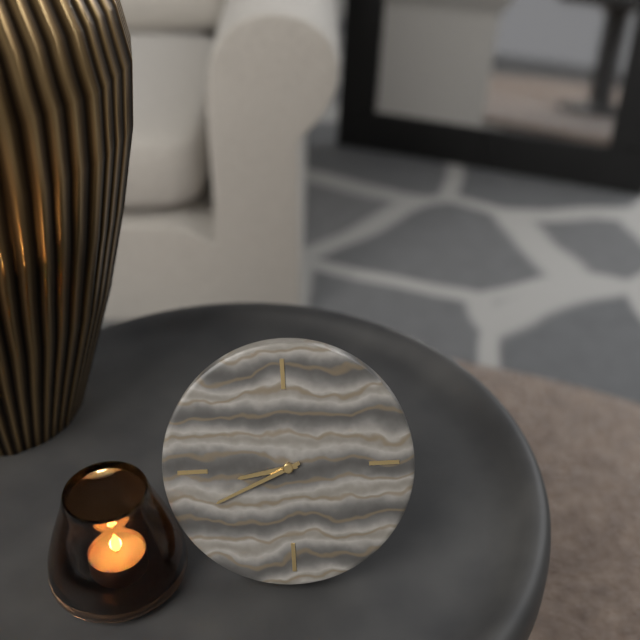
8 h 41 min
